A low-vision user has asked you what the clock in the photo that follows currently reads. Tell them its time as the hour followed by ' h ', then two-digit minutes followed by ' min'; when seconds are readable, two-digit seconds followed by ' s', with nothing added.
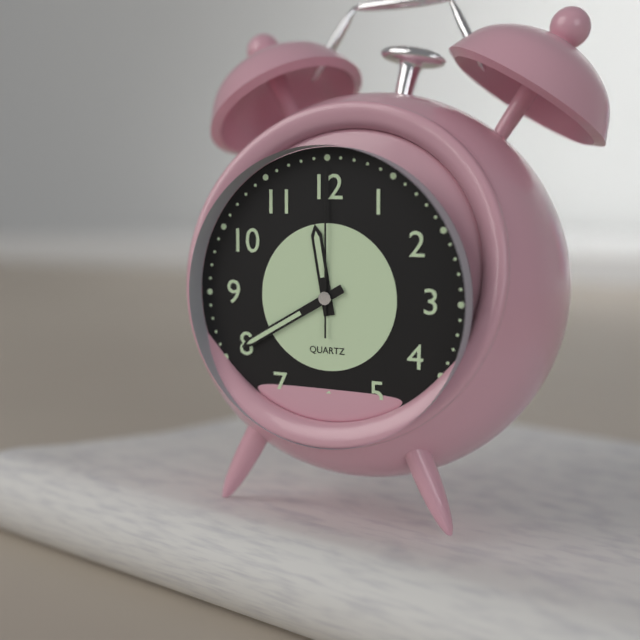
11 h 40 min 00 s
